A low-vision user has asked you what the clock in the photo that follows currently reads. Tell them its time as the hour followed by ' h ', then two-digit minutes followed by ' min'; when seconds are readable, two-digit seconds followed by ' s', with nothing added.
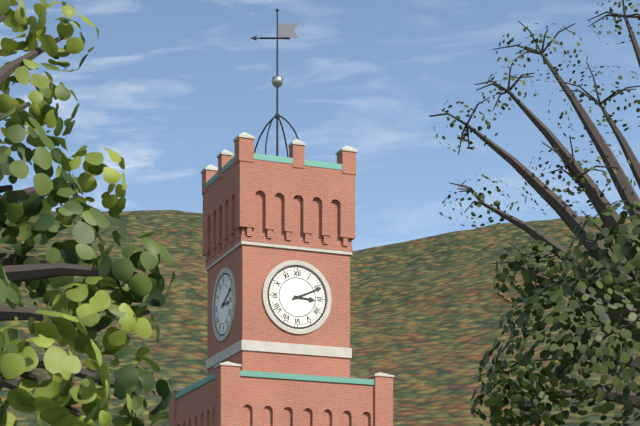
3 h 11 min
